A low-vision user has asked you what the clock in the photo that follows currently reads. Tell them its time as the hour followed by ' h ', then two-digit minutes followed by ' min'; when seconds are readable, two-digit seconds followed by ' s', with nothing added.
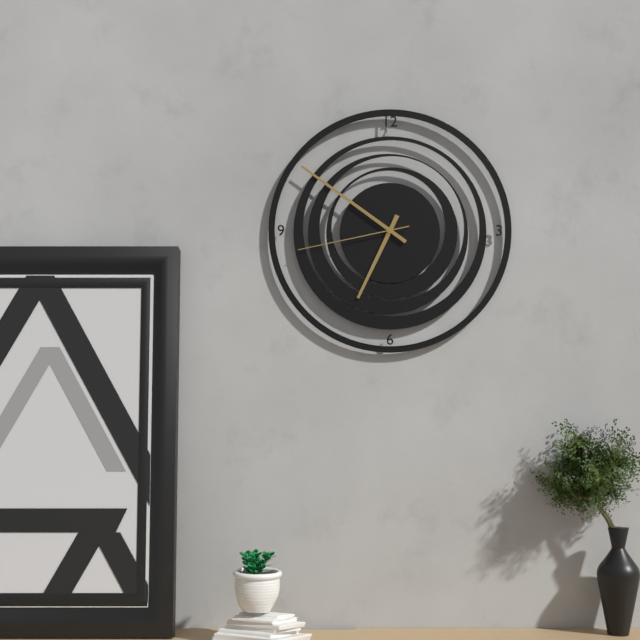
6 h 51 min 43 s
